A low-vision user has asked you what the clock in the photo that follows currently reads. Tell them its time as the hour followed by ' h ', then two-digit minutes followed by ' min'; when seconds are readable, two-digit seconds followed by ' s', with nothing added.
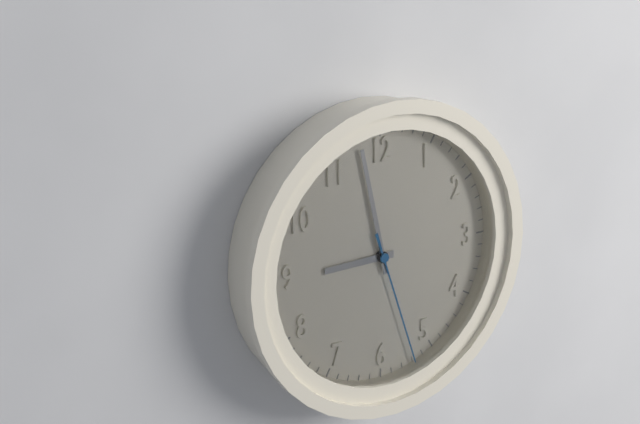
8 h 58 min 27 s
